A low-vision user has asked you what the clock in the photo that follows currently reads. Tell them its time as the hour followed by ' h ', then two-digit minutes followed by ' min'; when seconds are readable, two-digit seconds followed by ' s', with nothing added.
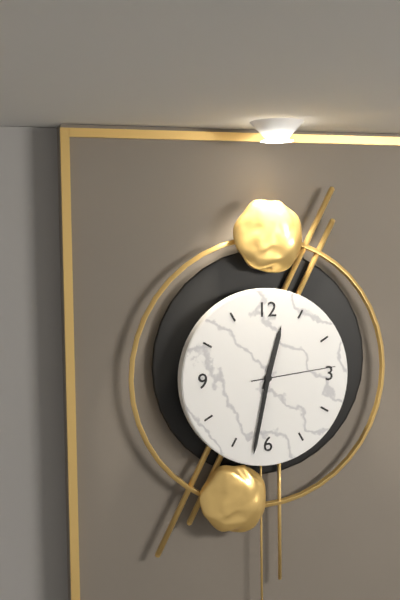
12 h 32 min 14 s
